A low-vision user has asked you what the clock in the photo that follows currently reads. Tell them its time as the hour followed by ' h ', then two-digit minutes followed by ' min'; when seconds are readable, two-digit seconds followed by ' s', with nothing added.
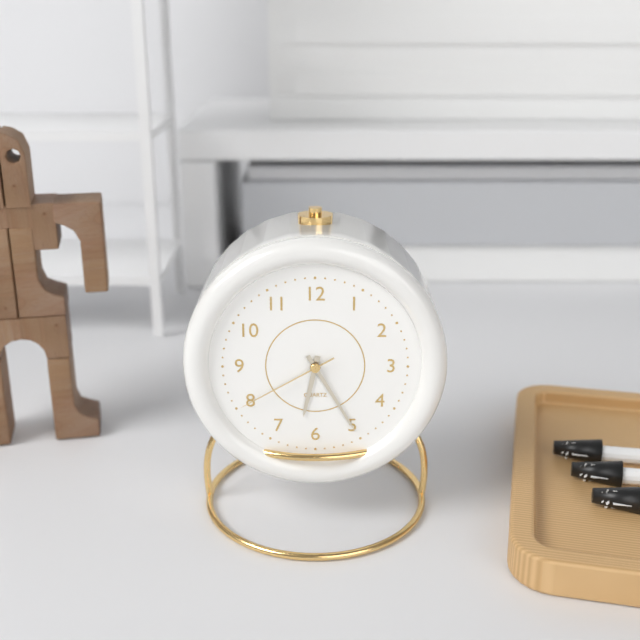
6 h 25 min 40 s
